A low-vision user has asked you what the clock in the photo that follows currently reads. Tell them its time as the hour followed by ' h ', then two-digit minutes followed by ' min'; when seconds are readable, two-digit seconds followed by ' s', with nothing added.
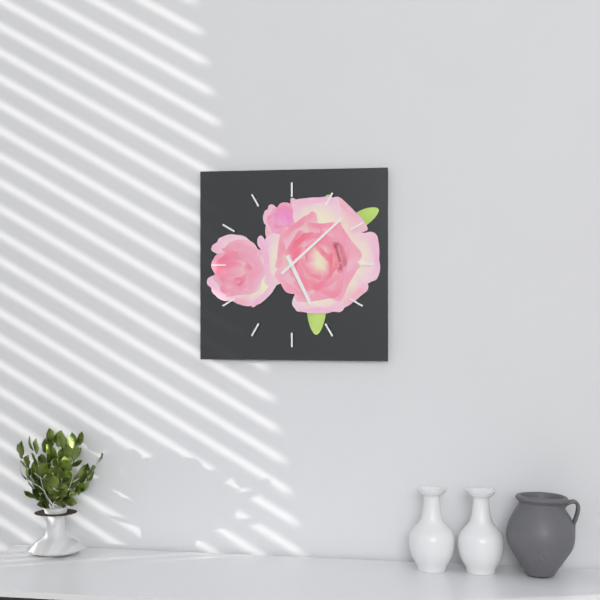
5 h 08 min
